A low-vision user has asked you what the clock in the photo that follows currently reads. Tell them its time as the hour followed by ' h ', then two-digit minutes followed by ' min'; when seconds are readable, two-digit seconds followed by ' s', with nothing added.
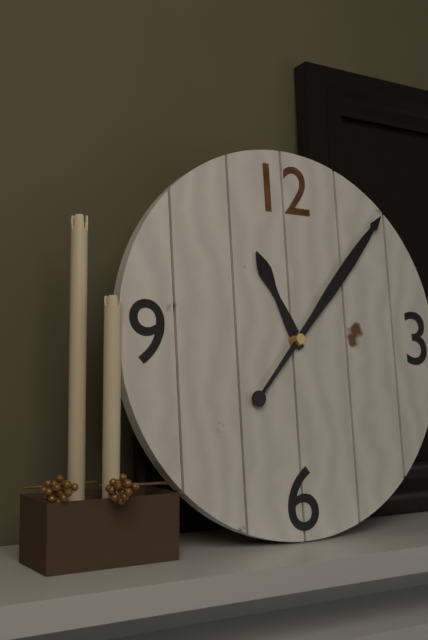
11 h 07 min
